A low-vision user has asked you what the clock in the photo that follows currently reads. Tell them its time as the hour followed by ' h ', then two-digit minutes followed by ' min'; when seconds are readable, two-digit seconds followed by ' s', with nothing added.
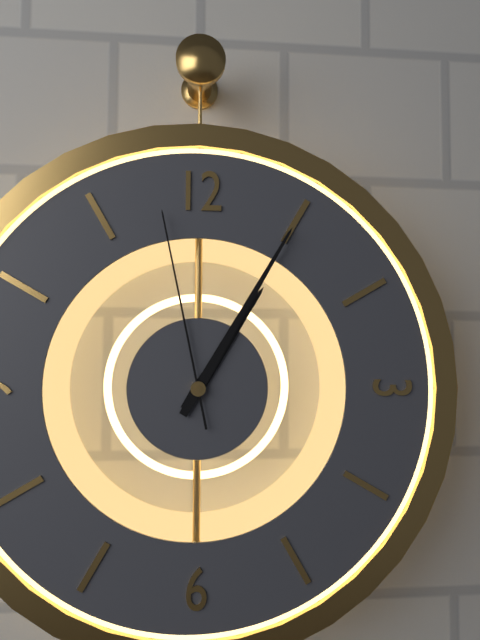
1 h 05 min 58 s
